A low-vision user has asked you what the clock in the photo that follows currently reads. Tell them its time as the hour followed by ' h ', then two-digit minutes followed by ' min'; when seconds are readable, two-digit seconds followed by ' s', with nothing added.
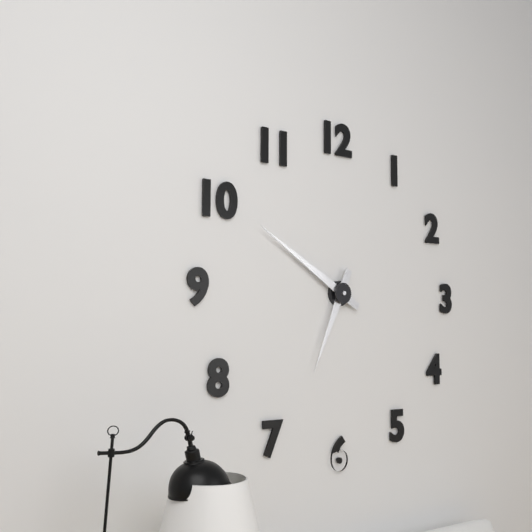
6 h 50 min
